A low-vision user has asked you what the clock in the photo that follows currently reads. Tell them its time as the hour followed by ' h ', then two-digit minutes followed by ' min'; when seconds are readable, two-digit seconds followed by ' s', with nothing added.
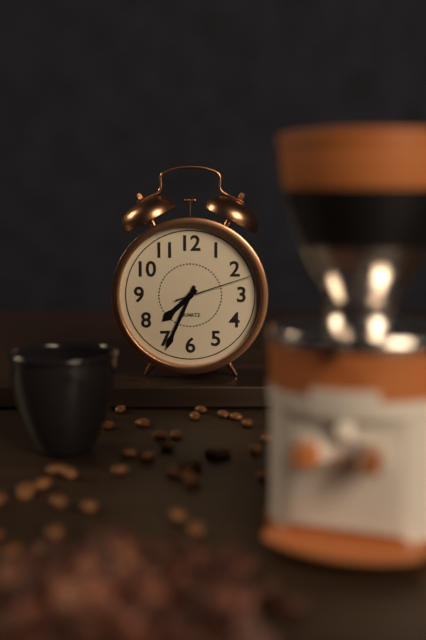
7 h 34 min 12 s
